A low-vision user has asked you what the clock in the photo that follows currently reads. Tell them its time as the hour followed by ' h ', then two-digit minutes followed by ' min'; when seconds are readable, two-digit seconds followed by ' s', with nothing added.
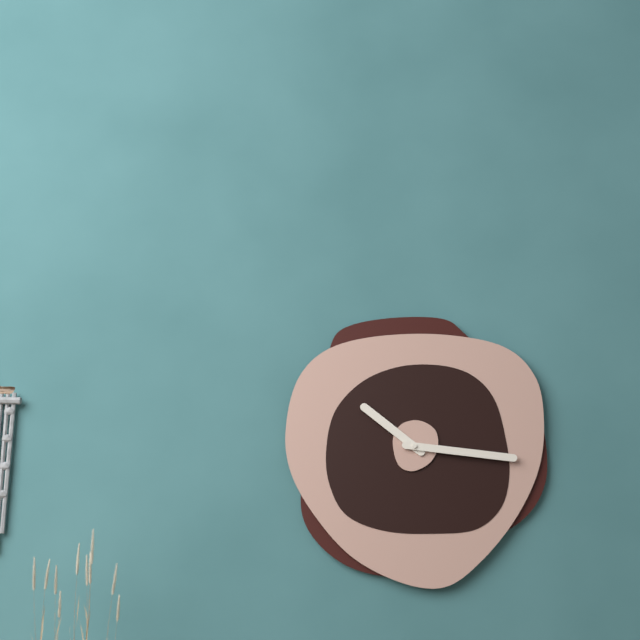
10 h 16 min
